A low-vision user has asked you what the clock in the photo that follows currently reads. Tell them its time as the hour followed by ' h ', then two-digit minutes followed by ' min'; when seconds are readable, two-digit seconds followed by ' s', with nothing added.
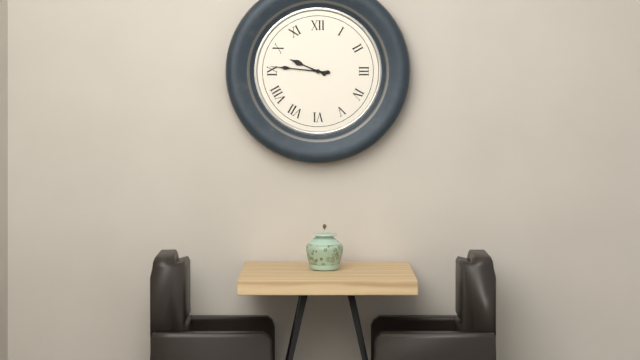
9 h 46 min
